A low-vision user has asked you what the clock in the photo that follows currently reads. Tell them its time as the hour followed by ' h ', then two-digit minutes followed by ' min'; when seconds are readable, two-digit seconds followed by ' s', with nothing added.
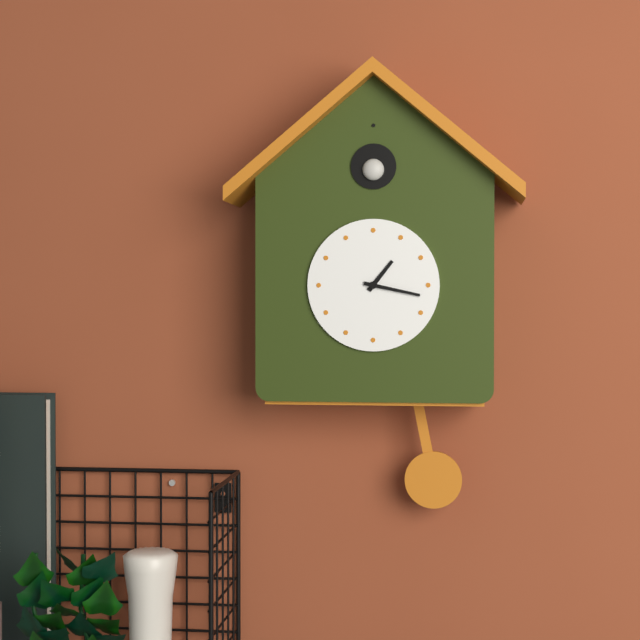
1 h 17 min
